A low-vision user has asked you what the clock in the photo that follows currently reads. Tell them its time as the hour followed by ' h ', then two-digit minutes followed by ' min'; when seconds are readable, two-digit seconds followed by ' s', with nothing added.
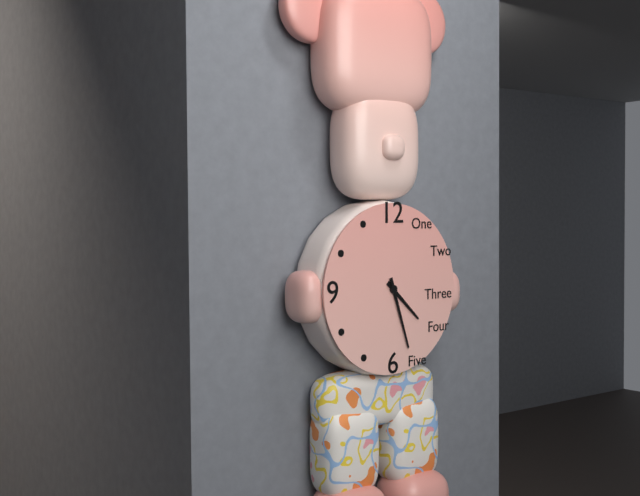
4 h 27 min
